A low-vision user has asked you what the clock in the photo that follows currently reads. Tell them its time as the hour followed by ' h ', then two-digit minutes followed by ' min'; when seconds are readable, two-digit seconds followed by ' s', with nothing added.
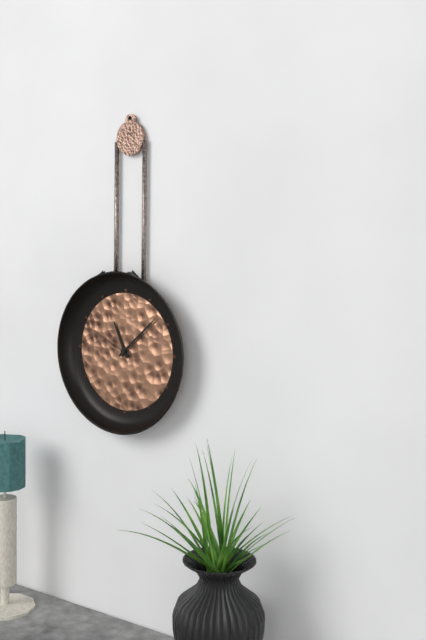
11 h 08 min
